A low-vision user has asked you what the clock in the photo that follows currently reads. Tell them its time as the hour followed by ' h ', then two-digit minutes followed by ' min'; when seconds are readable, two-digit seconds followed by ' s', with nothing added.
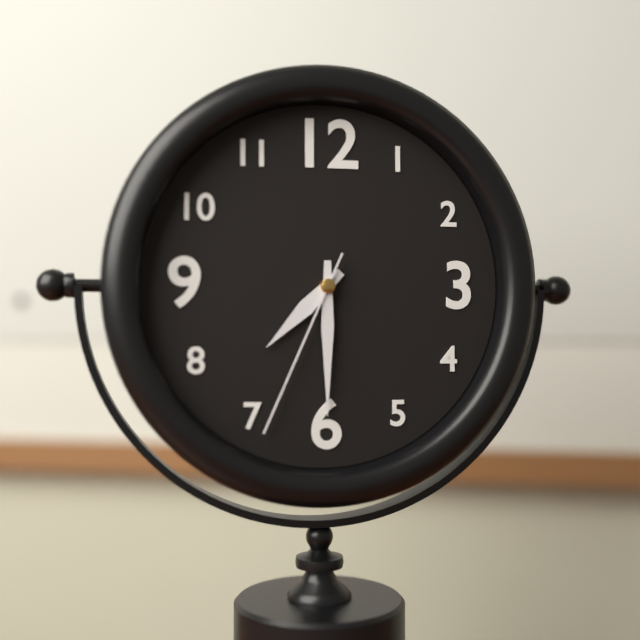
7 h 30 min 34 s
